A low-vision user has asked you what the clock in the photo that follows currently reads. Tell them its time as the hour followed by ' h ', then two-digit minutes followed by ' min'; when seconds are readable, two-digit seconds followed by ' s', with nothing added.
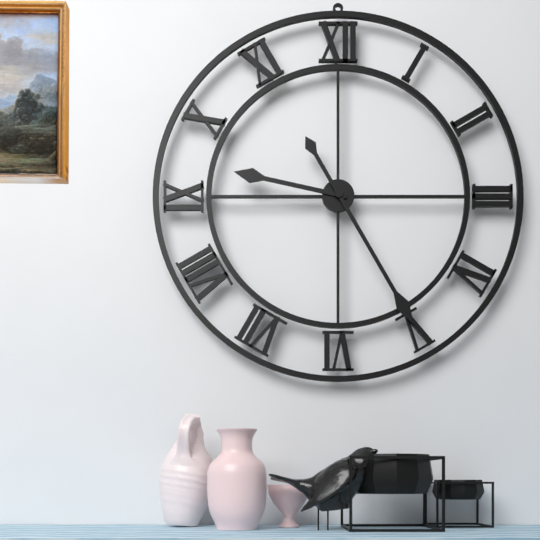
9 h 25 min
